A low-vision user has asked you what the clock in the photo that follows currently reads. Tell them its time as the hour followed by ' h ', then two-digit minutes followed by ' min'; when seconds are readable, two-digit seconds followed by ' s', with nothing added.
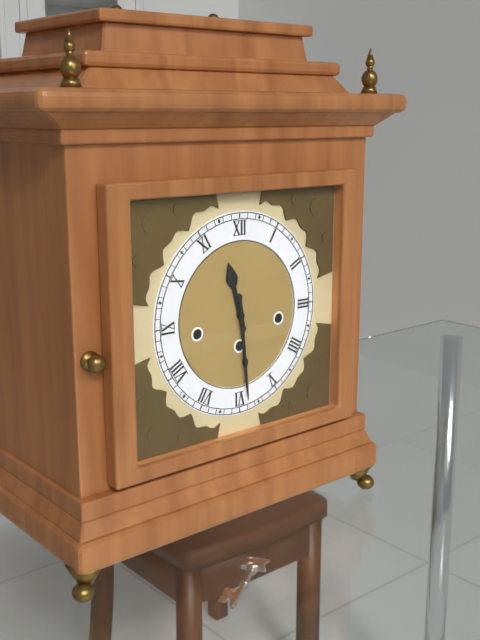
11 h 29 min
